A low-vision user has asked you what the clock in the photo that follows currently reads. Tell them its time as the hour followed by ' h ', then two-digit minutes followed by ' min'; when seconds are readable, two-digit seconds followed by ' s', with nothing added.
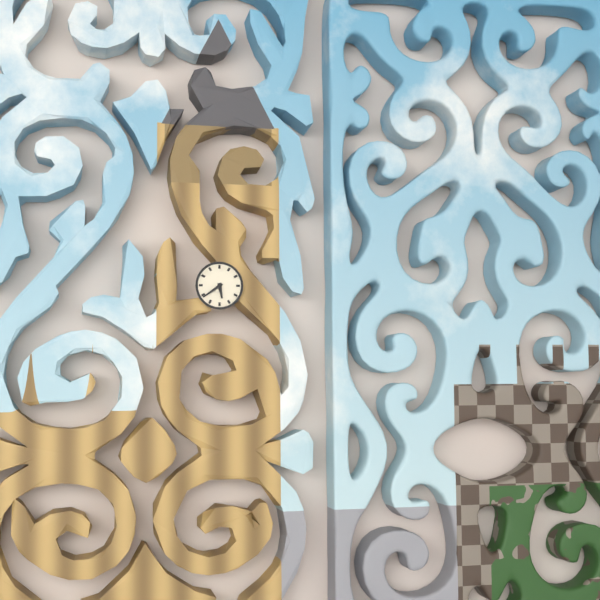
5 h 39 min
